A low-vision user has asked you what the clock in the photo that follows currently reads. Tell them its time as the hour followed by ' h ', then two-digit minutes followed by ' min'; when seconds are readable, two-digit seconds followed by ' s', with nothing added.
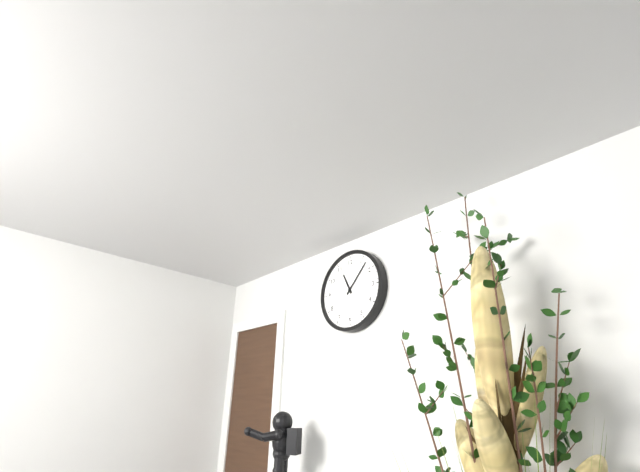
11 h 07 min
